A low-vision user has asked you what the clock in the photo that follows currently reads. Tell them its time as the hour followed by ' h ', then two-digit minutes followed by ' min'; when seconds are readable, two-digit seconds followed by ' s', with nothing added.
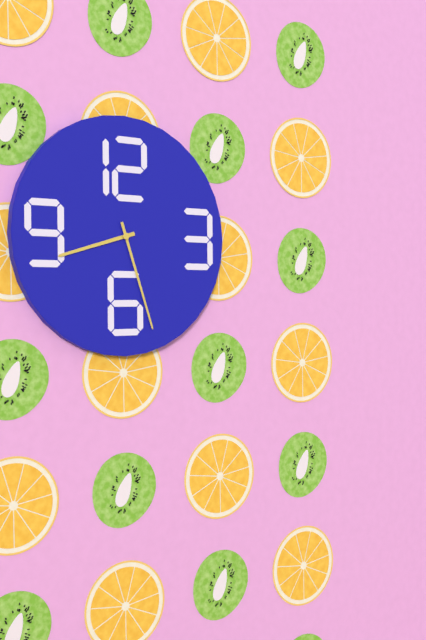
8 h 27 min
